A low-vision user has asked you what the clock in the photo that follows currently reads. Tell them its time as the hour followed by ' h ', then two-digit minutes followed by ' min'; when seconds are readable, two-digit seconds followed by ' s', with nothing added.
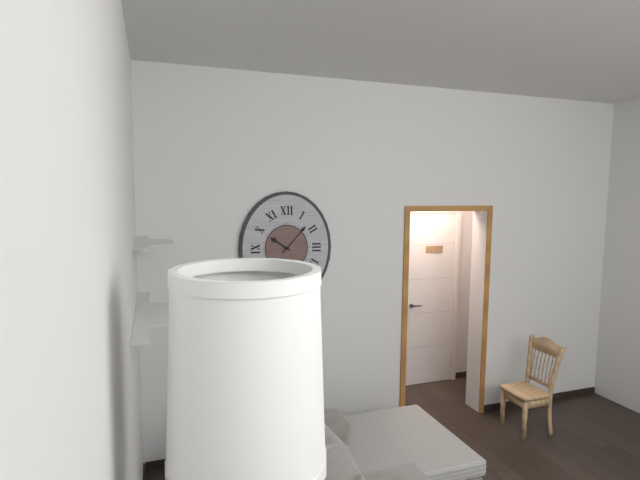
10 h 07 min
